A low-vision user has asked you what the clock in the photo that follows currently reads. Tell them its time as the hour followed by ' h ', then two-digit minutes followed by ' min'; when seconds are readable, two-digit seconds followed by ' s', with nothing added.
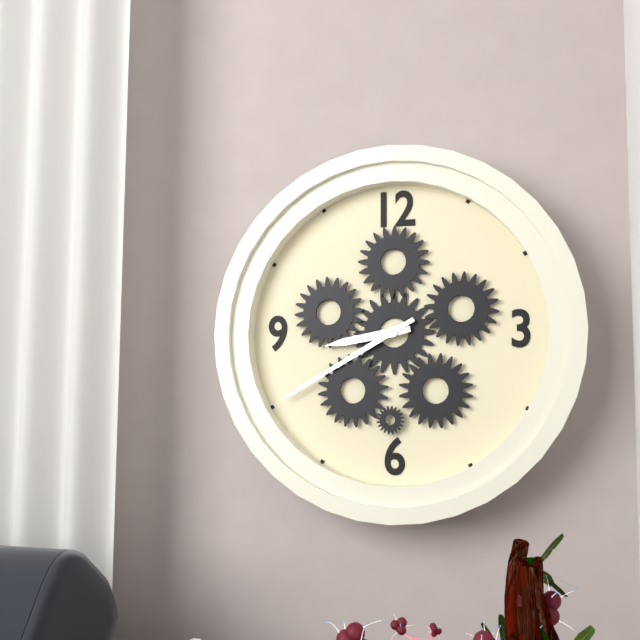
8 h 40 min
